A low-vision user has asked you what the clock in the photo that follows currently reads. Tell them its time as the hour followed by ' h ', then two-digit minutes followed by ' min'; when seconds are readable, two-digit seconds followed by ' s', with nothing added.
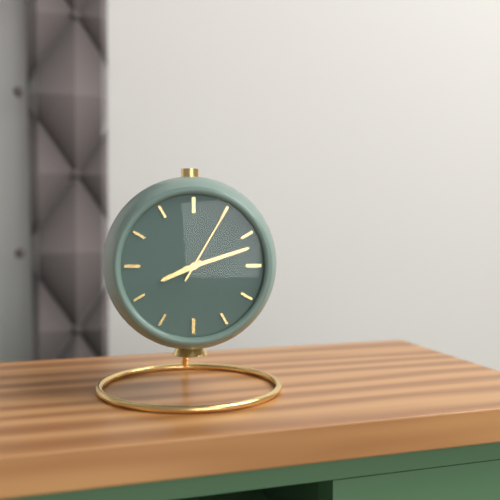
8 h 12 min 05 s
